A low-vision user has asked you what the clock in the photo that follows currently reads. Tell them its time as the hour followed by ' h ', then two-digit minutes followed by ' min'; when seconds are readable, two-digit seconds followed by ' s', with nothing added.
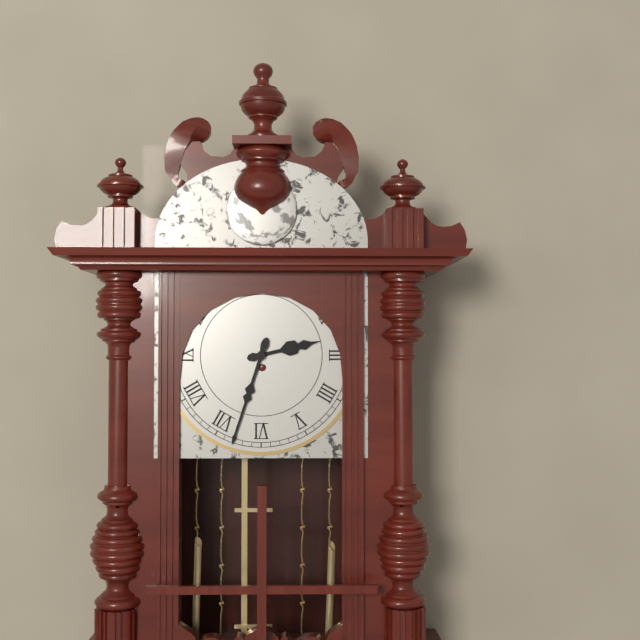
2 h 33 min
